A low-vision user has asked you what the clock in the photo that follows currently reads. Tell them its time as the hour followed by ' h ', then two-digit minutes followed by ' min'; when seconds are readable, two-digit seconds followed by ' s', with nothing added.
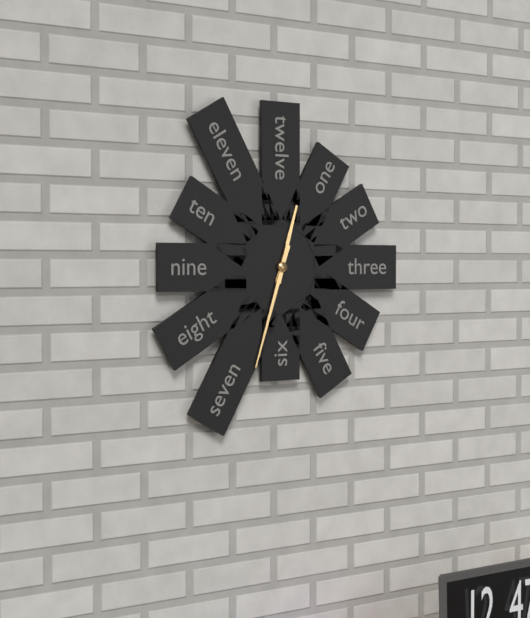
12 h 33 min
